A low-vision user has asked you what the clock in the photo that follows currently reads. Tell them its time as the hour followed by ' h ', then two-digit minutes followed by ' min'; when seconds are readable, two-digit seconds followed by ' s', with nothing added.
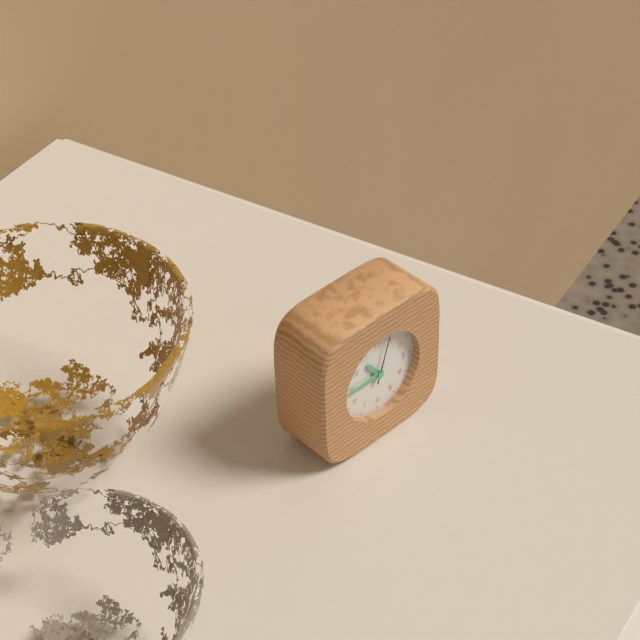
10 h 45 min
